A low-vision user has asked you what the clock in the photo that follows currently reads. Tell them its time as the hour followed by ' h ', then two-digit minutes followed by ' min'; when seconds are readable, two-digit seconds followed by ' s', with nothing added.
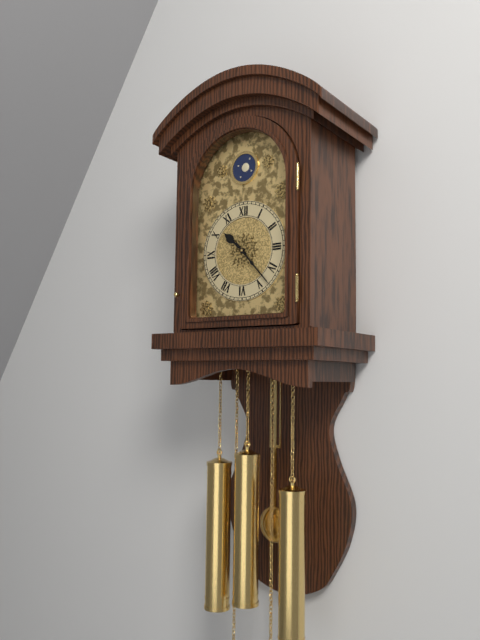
10 h 23 min
